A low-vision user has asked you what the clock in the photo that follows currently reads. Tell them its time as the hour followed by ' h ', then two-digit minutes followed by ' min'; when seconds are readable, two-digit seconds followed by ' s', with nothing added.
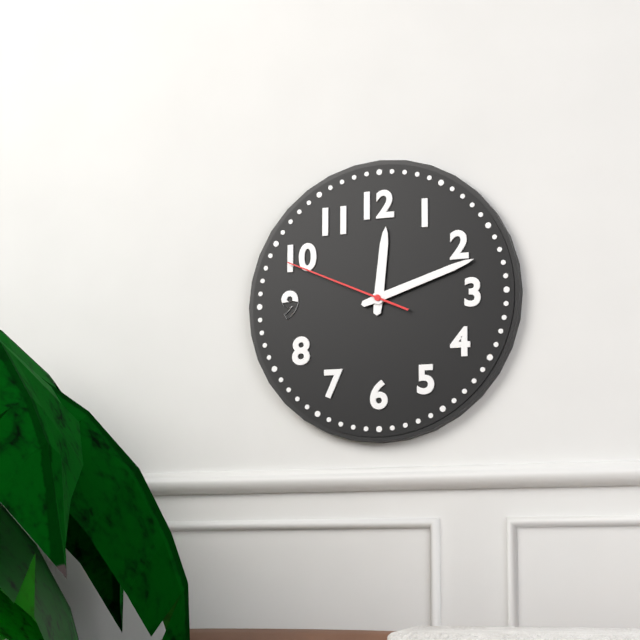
12 h 12 min 49 s
